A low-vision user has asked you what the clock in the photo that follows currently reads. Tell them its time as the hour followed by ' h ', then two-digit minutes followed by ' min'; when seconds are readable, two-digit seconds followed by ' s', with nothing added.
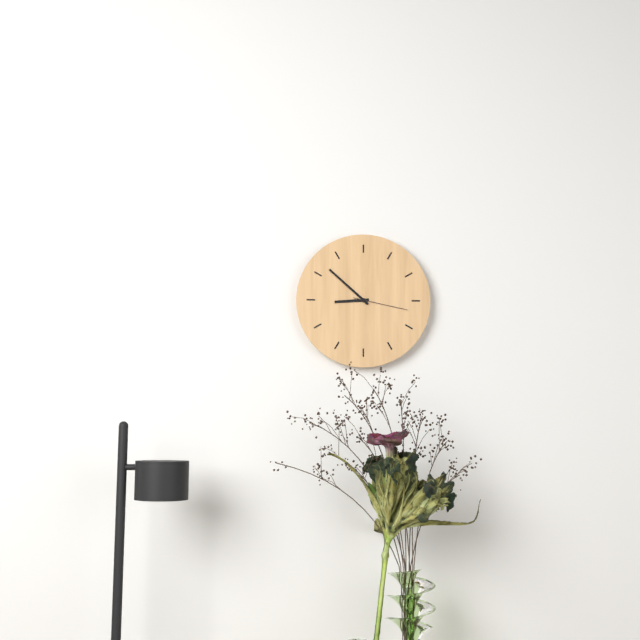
8 h 52 min 17 s
